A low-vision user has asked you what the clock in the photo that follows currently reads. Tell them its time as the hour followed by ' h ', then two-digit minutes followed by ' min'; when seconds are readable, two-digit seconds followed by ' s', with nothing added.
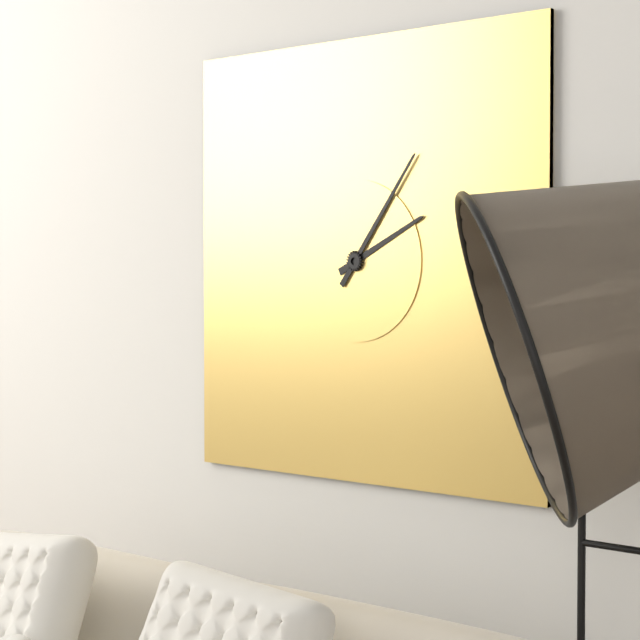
2 h 06 min
